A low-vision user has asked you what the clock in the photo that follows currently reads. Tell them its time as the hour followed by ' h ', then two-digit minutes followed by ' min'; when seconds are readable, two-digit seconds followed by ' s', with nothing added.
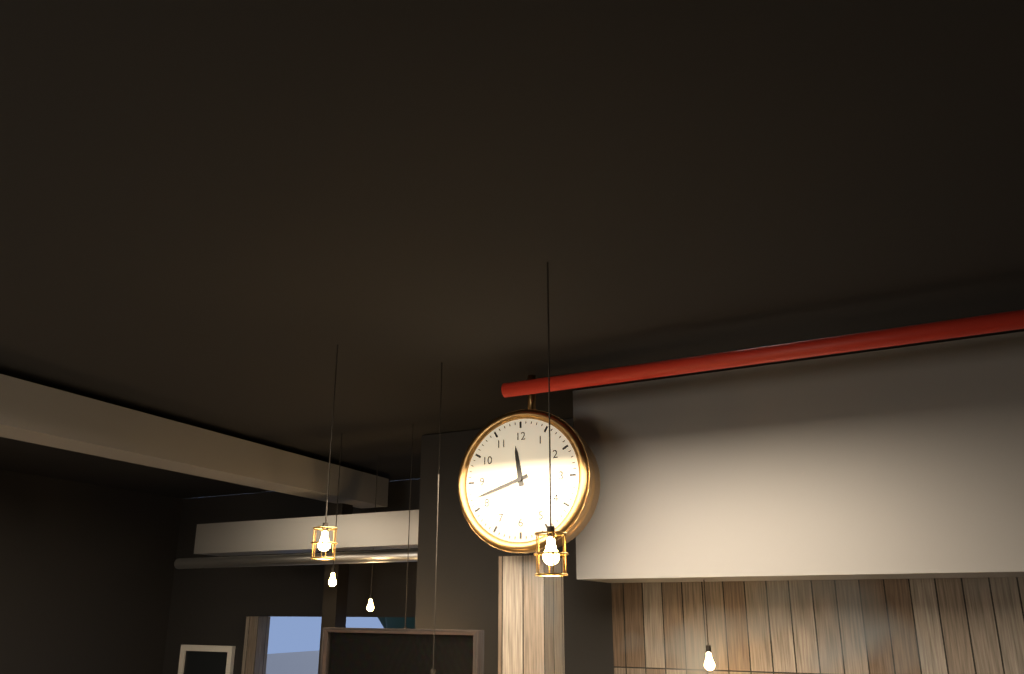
11 h 42 min
